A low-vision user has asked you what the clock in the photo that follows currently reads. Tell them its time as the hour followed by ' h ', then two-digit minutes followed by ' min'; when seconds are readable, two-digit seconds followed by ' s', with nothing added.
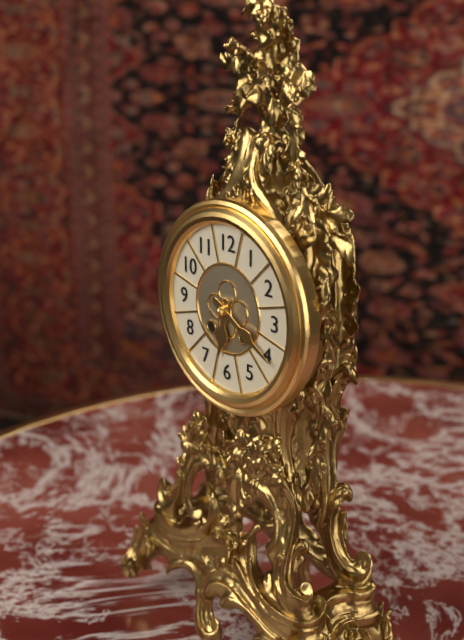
6 h 20 min
